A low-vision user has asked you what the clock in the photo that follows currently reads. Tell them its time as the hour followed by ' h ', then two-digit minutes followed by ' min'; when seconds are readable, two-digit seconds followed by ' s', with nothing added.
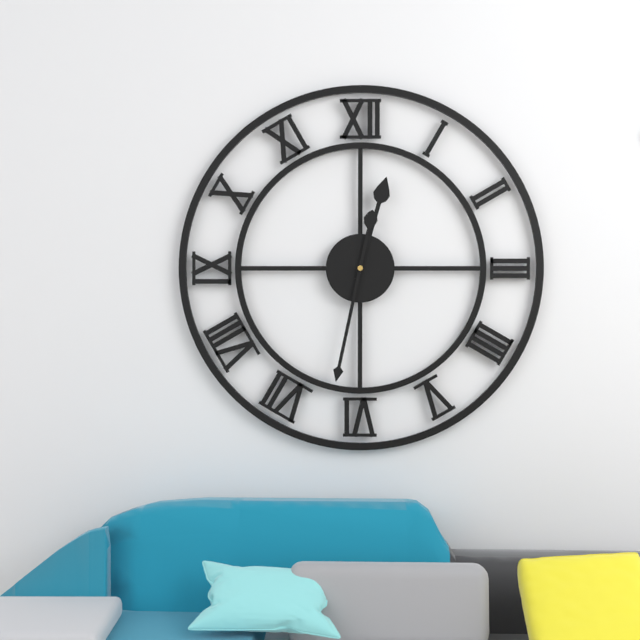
12 h 32 min
